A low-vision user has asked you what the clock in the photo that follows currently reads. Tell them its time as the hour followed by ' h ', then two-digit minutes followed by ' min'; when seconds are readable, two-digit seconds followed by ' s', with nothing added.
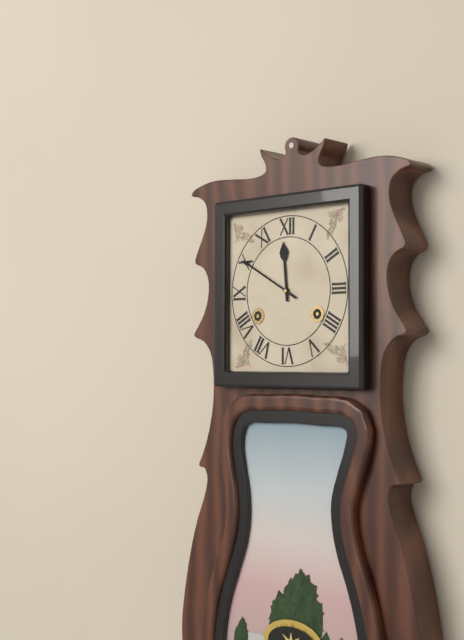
11 h 50 min
